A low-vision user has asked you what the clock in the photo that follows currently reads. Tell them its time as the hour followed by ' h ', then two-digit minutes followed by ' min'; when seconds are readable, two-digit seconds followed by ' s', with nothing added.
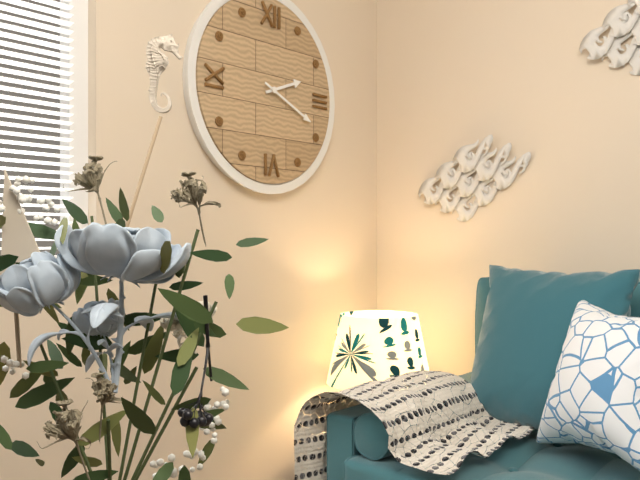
2 h 19 min
